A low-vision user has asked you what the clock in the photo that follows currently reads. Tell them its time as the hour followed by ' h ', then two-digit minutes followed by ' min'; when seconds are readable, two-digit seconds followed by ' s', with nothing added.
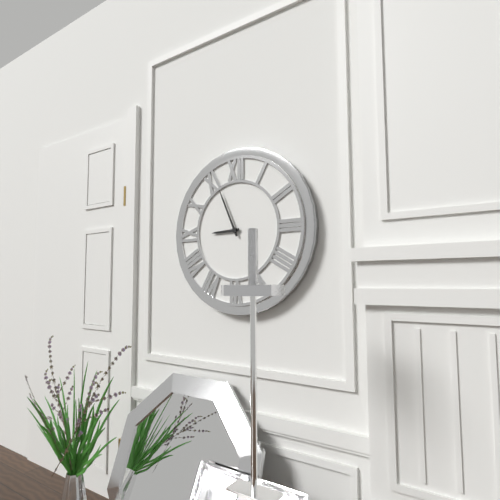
8 h 56 min
